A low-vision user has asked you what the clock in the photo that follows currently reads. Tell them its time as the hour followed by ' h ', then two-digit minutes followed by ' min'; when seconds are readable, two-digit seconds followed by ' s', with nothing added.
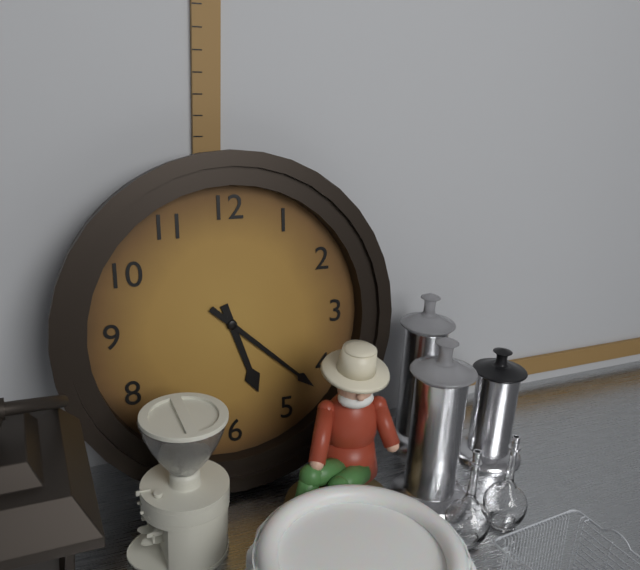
5 h 22 min
